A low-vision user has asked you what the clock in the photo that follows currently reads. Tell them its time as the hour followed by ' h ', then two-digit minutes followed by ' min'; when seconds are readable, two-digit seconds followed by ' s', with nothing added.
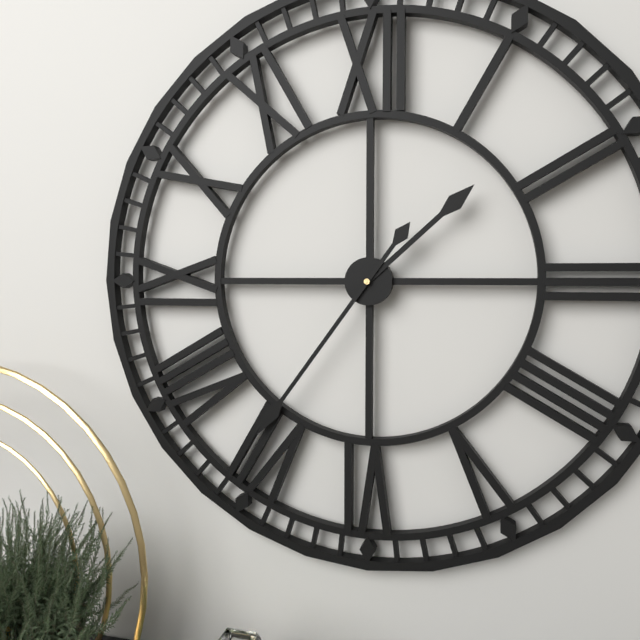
1 h 36 min
